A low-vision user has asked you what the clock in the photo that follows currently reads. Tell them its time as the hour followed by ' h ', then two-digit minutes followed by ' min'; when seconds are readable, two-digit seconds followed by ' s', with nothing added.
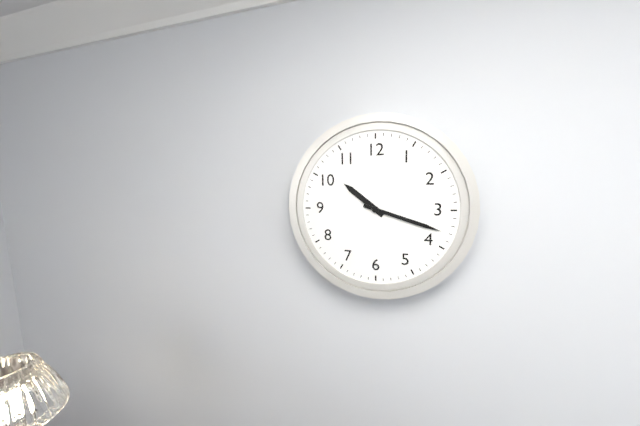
10 h 18 min
